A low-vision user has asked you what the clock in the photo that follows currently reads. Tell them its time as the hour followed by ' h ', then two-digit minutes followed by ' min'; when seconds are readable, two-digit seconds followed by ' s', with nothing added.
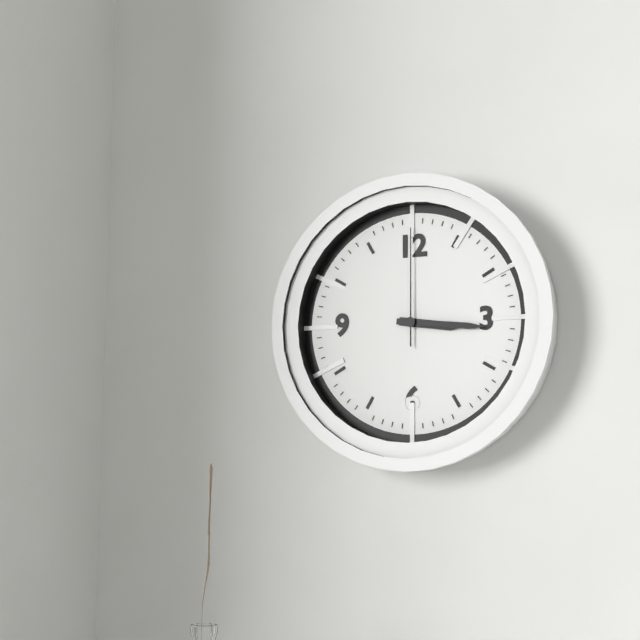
3 h 16 min 00 s
